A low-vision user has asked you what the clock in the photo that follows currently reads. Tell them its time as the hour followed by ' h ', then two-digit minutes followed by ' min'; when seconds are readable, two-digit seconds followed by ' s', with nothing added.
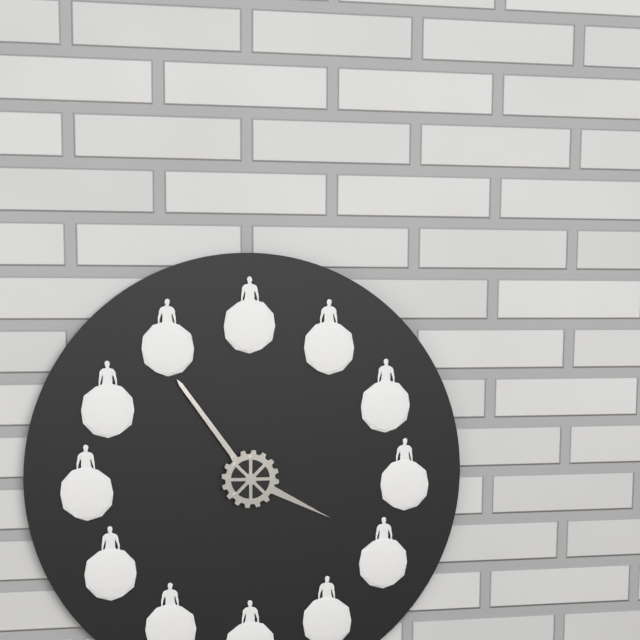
3 h 54 min
